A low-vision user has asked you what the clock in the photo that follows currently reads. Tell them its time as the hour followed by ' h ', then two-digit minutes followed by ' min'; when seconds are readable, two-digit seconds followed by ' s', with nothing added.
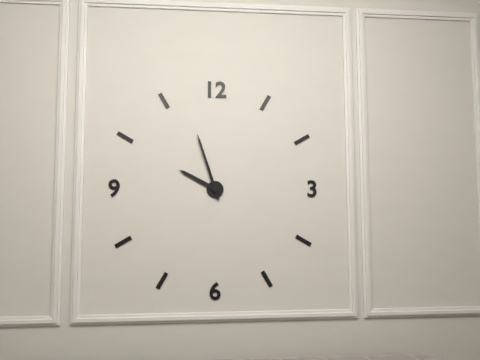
9 h 57 min
